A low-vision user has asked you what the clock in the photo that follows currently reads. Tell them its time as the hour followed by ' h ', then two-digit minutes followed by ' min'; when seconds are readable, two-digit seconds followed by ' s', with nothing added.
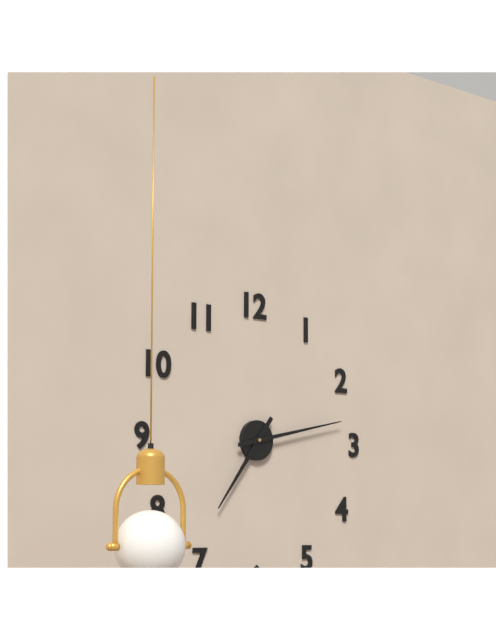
7 h 13 min
